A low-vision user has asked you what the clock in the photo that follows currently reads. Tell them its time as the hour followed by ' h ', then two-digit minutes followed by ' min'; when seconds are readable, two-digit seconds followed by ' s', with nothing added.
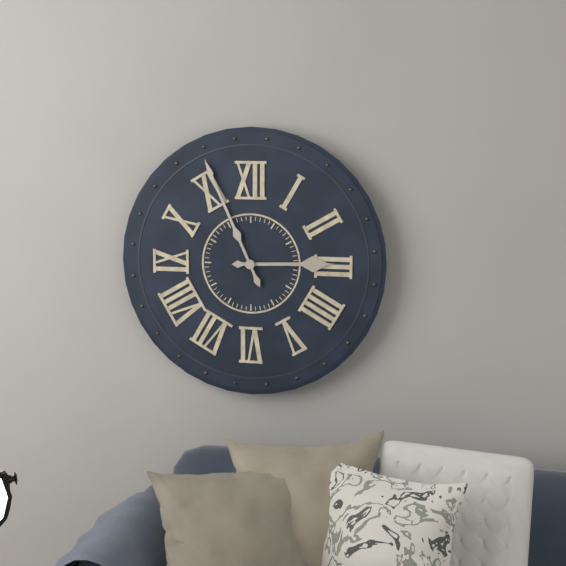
2 h 56 min
